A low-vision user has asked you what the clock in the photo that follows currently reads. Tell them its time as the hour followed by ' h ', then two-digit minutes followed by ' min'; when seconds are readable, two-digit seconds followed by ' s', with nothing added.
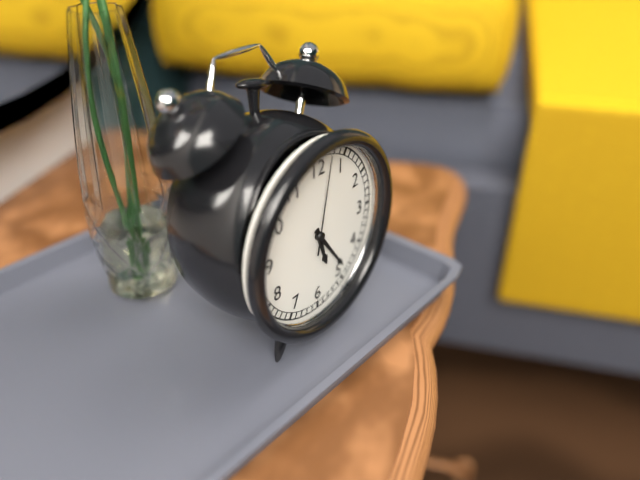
5 h 24 min 02 s
